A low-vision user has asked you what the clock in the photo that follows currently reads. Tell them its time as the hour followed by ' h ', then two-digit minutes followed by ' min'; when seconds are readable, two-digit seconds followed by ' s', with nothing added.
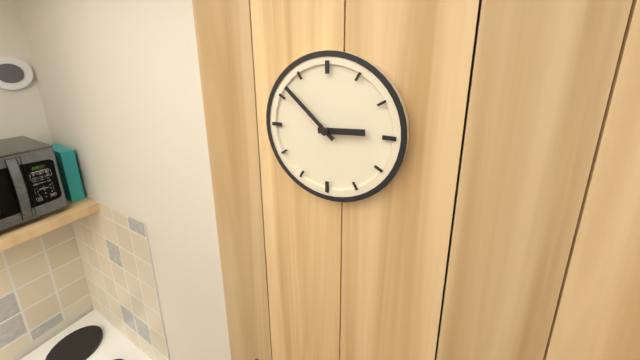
2 h 52 min
